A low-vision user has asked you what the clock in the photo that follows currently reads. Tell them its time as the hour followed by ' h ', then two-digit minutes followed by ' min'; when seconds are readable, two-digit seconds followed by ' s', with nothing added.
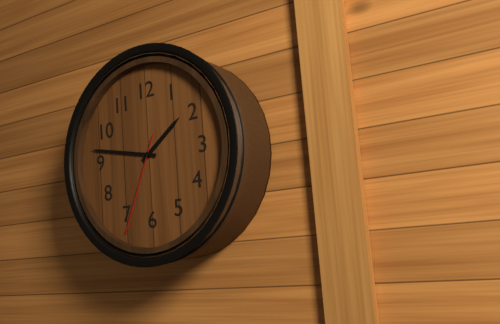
1 h 47 min 34 s
